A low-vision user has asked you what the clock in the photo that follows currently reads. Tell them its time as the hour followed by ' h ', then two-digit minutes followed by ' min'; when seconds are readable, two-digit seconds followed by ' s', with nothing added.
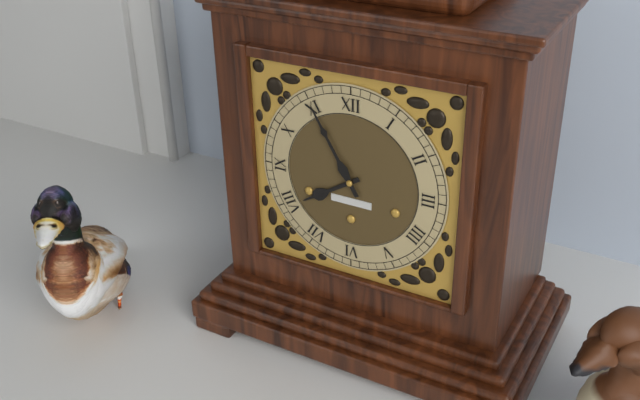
7 h 55 min
